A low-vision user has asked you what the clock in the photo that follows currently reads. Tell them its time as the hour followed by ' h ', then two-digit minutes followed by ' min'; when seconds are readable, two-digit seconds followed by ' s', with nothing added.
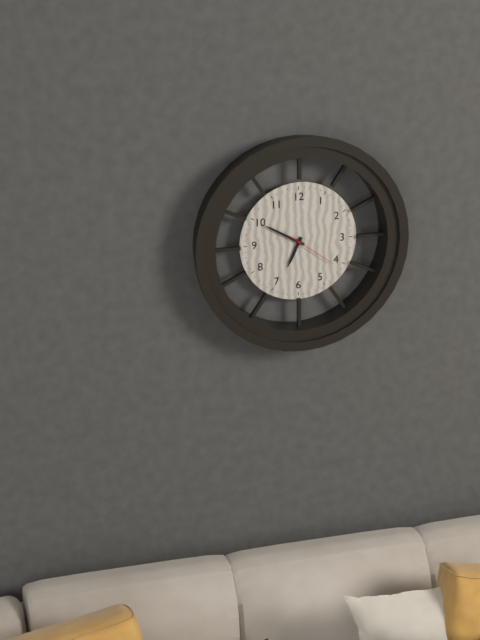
6 h 50 min 21 s
